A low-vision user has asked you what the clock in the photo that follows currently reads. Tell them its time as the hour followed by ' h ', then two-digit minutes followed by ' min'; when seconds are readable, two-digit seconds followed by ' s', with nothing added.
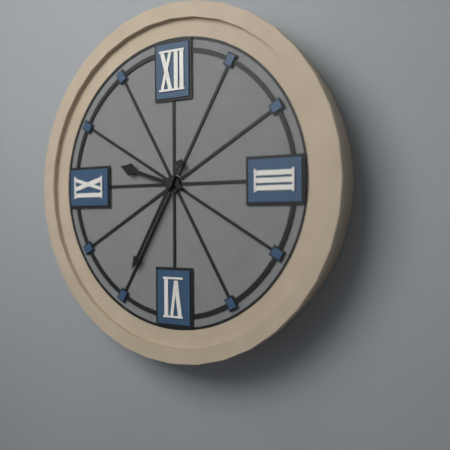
9 h 35 min
